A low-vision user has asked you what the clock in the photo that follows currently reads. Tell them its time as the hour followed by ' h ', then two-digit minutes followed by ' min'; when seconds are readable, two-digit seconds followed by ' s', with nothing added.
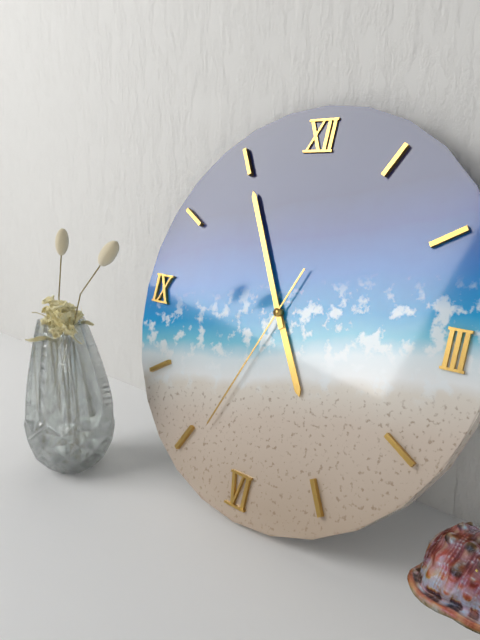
4 h 55 min 34 s
